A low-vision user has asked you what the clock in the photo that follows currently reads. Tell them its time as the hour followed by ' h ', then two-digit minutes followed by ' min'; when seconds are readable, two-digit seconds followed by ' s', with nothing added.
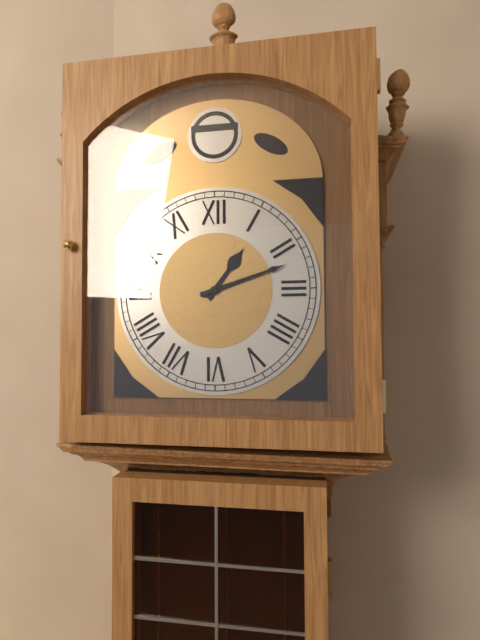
1 h 12 min
